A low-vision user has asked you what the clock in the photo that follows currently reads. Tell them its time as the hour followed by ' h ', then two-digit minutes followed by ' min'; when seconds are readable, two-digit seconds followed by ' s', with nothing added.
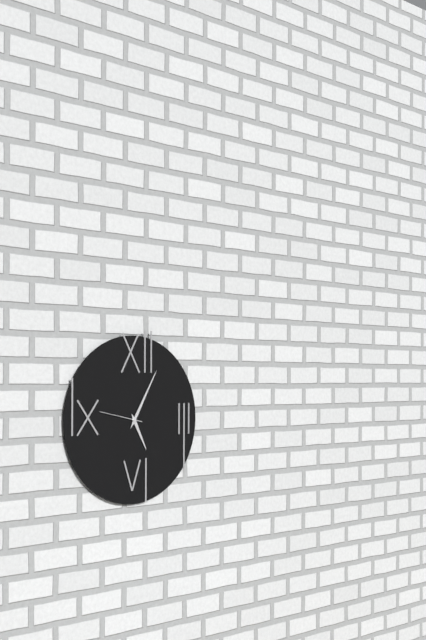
5 h 05 min
